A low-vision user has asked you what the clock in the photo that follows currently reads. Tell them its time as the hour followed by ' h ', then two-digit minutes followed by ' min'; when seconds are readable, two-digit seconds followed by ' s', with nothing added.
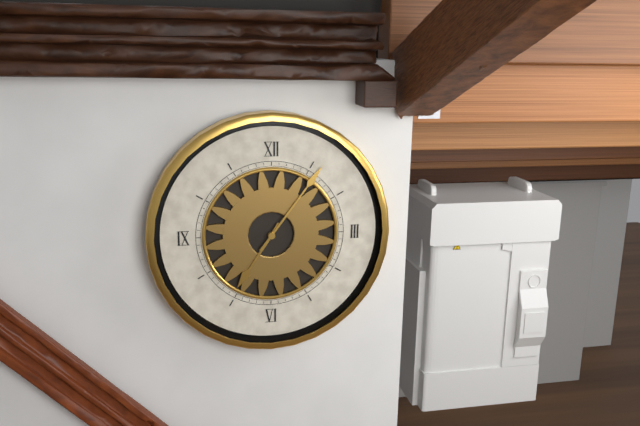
7 h 06 min
